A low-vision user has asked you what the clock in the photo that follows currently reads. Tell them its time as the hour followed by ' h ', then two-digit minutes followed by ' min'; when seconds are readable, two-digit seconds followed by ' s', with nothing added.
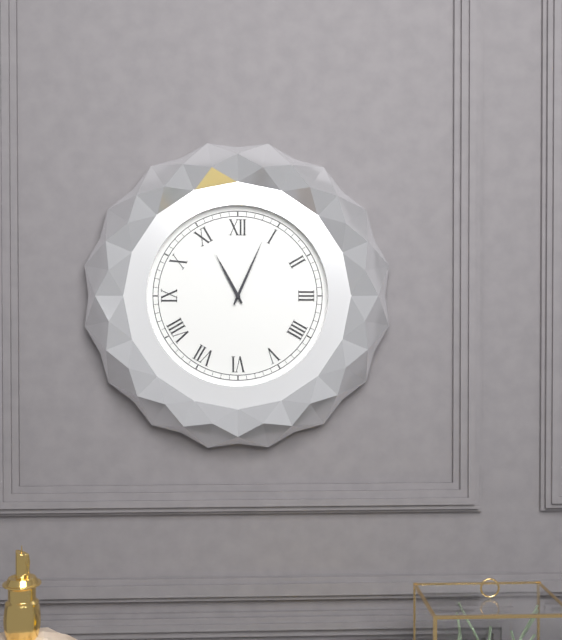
11 h 04 min
